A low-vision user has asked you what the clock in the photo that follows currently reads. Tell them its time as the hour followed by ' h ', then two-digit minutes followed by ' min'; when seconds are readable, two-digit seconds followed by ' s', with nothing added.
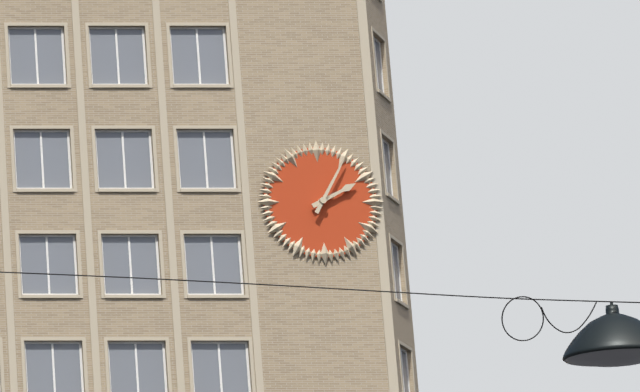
2 h 05 min
